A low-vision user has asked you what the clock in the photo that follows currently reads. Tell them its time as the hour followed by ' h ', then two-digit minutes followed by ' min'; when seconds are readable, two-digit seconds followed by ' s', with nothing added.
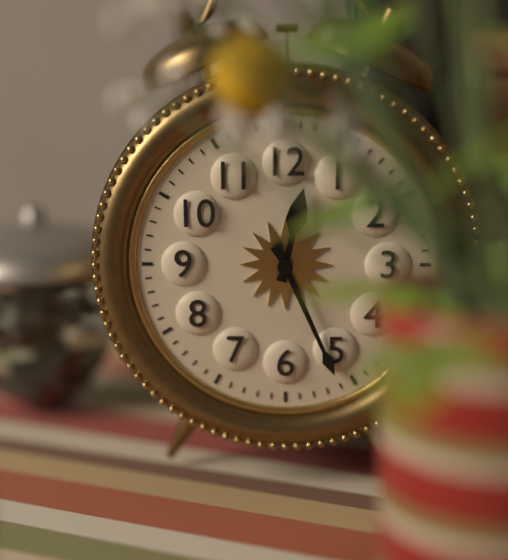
12 h 26 min
